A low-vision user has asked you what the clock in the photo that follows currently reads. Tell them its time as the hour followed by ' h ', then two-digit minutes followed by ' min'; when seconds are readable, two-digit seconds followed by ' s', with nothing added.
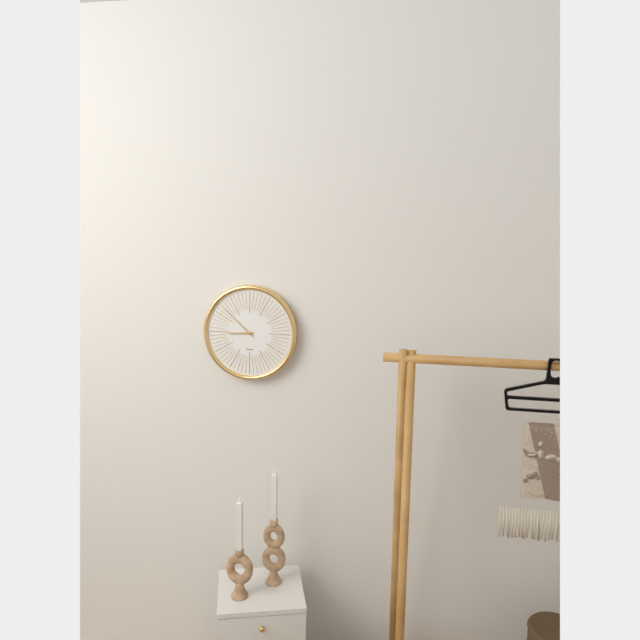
8 h 52 min
